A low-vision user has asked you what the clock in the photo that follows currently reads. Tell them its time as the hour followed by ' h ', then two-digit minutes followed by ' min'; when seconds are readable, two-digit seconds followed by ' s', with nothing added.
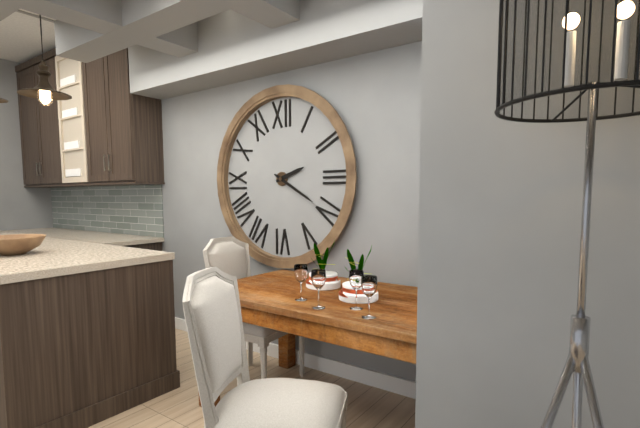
2 h 20 min
